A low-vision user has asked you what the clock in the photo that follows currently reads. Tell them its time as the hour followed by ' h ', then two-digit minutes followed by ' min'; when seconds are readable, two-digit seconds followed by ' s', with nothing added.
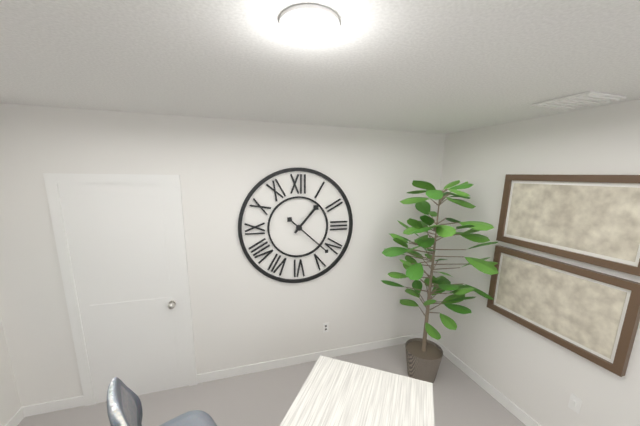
1 h 22 min
